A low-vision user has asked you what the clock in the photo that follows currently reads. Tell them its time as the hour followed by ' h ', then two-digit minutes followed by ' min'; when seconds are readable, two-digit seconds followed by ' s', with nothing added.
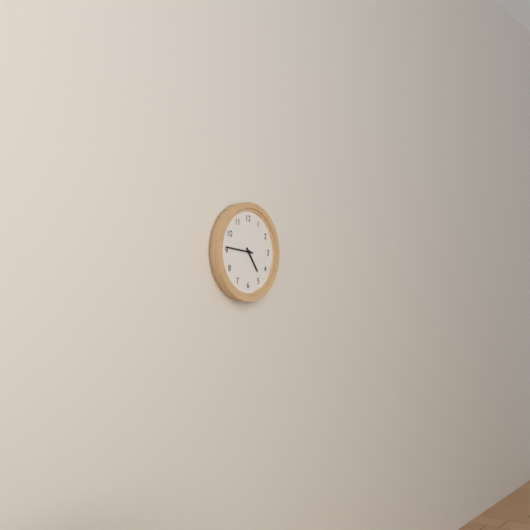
4 h 46 min
